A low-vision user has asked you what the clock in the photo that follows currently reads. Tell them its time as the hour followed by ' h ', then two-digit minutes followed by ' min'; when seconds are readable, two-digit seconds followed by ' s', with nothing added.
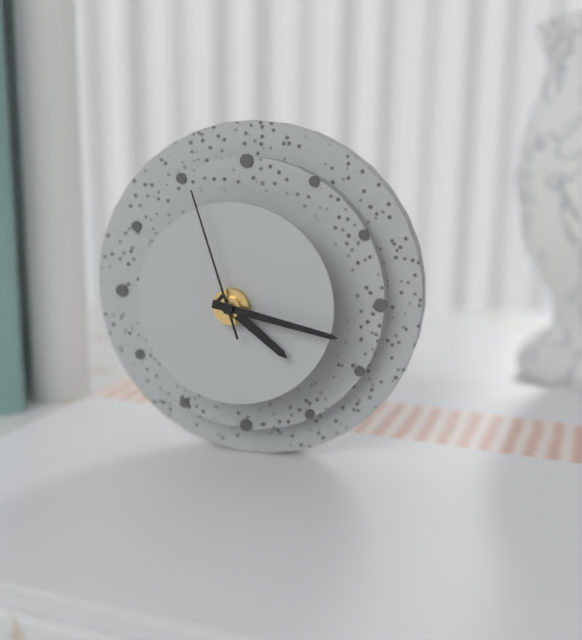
4 h 17 min 57 s
